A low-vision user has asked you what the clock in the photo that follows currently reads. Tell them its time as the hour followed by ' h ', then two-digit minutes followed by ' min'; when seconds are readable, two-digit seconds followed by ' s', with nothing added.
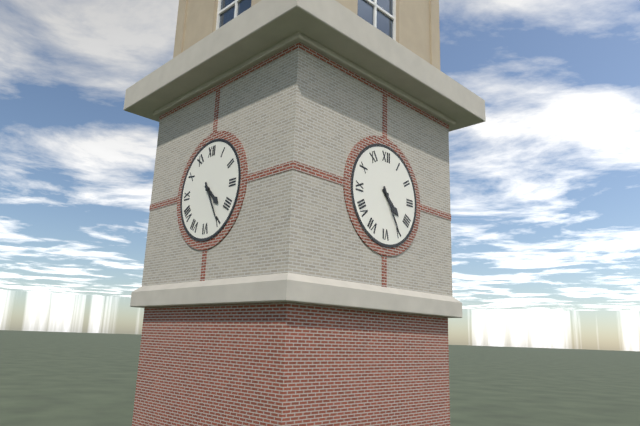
4 h 25 min
